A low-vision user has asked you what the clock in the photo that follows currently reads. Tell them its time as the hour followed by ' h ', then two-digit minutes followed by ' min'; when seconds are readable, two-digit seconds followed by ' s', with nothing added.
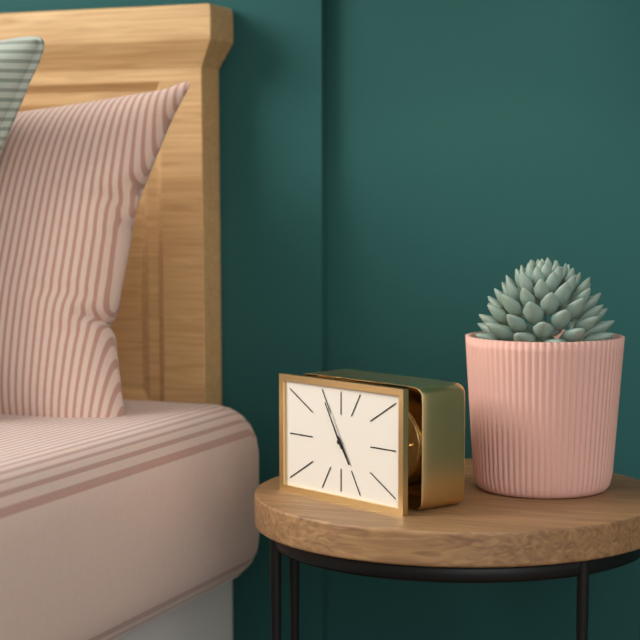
4 h 55 min
